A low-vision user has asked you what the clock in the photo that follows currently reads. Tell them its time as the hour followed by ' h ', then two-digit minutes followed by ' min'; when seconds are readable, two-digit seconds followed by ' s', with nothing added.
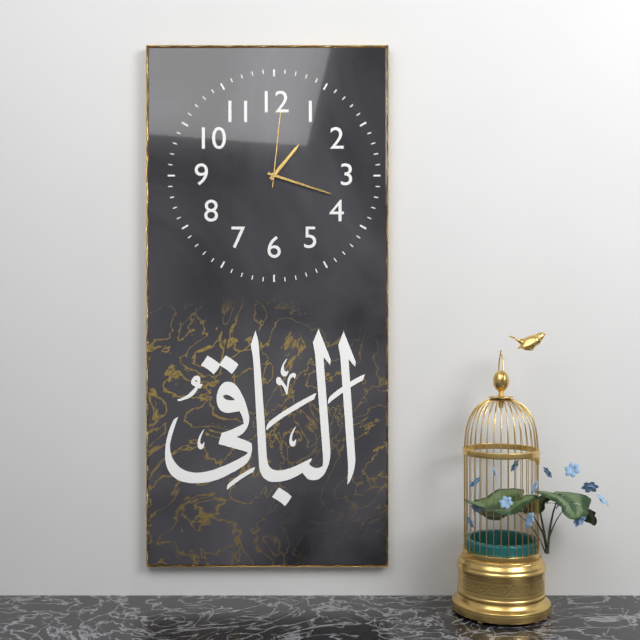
1 h 18 min 01 s
